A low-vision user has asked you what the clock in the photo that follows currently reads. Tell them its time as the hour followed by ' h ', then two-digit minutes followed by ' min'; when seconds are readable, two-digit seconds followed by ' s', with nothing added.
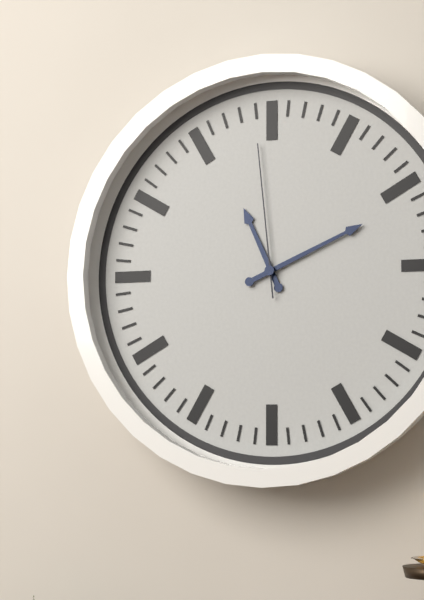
11 h 11 min 59 s
